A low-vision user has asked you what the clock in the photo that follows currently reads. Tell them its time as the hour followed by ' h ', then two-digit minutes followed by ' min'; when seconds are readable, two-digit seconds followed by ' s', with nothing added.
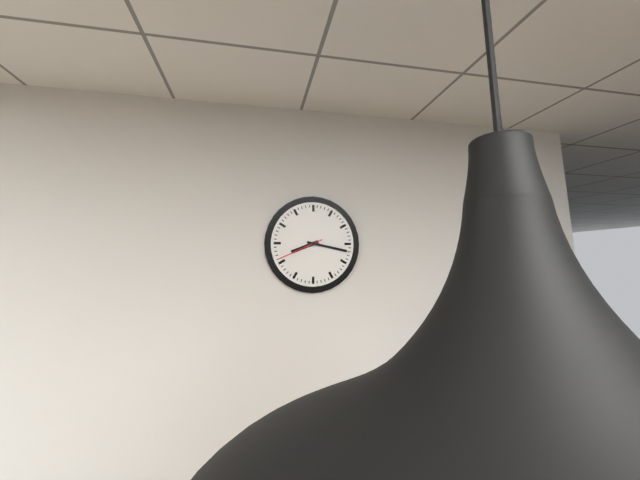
8 h 17 min
